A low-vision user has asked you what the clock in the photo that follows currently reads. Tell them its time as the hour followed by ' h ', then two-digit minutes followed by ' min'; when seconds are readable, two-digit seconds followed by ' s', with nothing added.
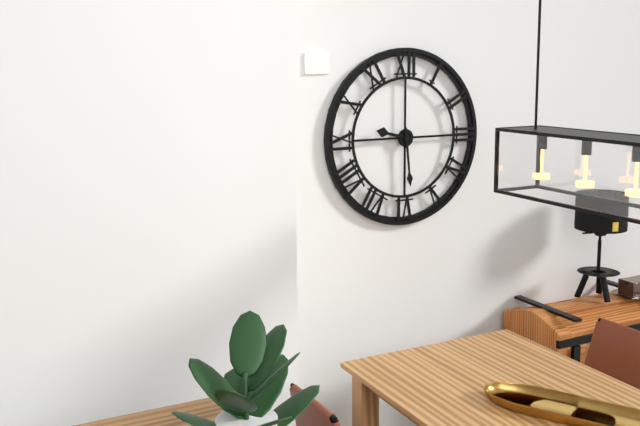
9 h 29 min
